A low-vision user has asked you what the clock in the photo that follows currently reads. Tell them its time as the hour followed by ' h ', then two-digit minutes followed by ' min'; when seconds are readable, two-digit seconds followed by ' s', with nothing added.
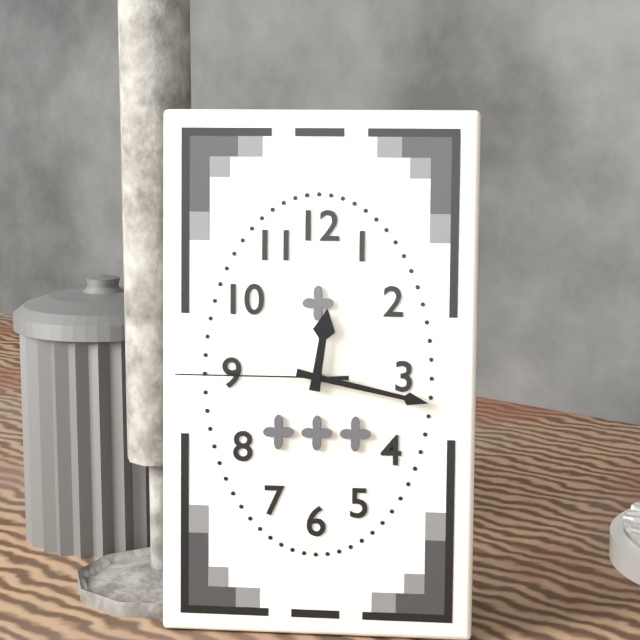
12 h 17 min 45 s
